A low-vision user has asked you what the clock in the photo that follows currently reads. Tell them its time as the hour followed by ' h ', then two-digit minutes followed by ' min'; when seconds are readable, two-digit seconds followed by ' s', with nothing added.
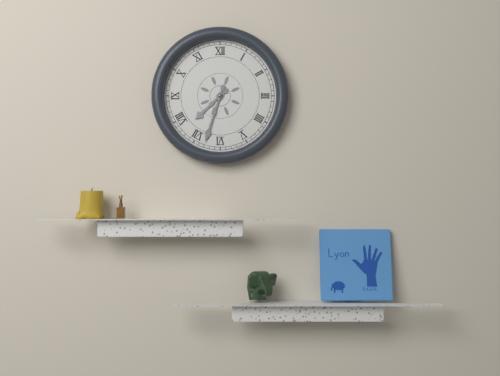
7 h 33 min
